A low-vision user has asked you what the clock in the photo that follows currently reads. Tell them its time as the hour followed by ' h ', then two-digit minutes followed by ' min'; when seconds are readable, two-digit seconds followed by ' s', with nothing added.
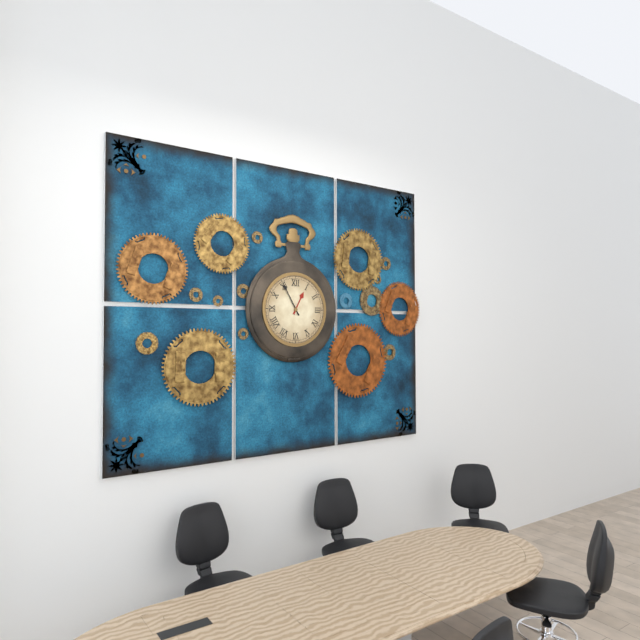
12 h 55 min
